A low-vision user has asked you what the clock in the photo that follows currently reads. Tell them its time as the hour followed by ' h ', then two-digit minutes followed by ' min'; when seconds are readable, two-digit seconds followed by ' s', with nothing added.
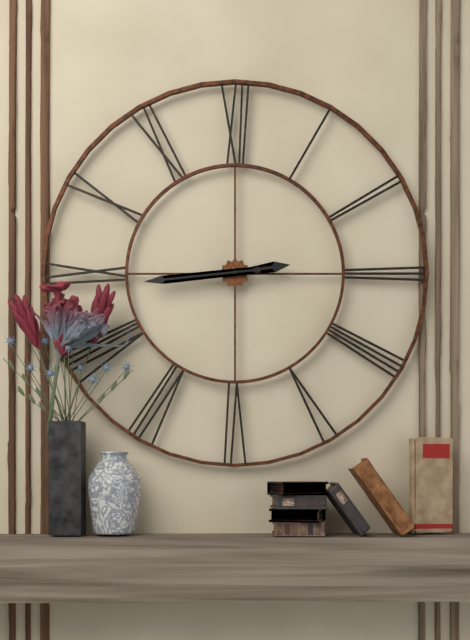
2 h 44 min
